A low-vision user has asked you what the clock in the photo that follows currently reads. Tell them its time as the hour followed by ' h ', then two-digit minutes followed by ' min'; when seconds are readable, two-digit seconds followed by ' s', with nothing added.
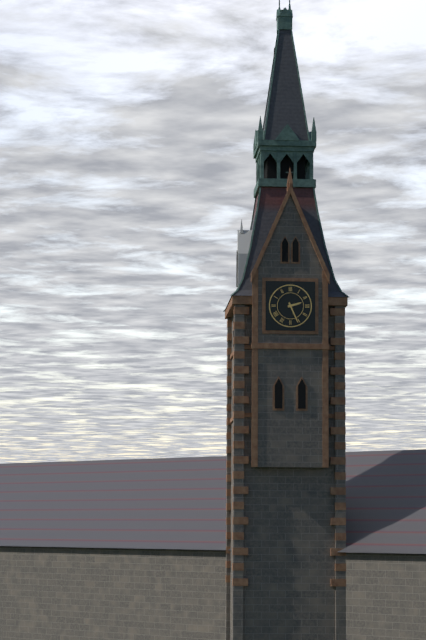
2 h 26 min
